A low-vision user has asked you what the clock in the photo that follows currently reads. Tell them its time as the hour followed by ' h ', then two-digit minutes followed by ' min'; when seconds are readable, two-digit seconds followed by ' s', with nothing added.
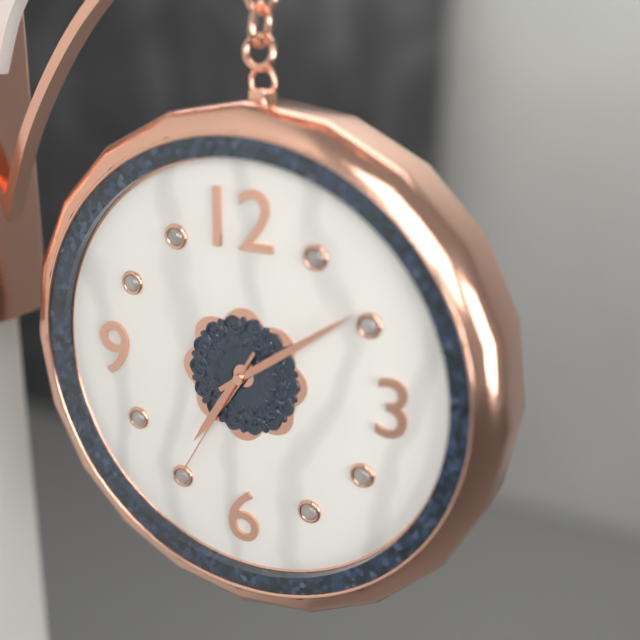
7 h 09 min 35 s
